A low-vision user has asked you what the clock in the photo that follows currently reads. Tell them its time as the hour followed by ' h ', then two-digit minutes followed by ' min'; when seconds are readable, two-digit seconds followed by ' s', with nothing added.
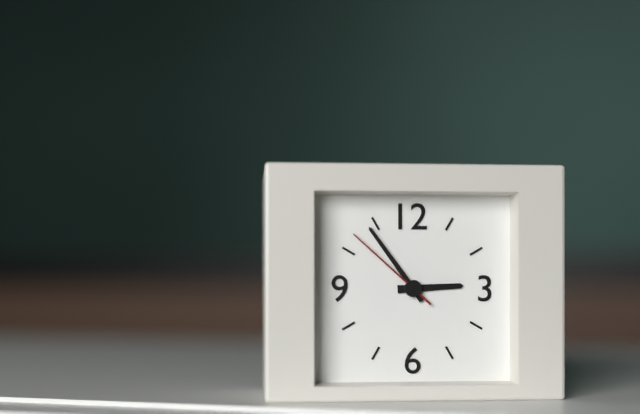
2 h 54 min 52 s
